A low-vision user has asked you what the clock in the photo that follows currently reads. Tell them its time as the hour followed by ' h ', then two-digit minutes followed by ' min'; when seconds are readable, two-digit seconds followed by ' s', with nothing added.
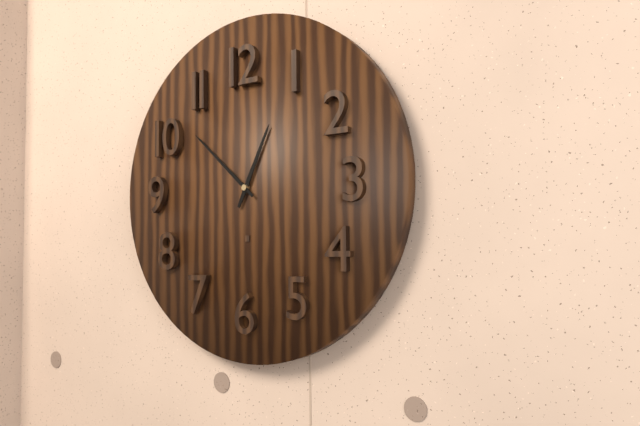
12 h 52 min
